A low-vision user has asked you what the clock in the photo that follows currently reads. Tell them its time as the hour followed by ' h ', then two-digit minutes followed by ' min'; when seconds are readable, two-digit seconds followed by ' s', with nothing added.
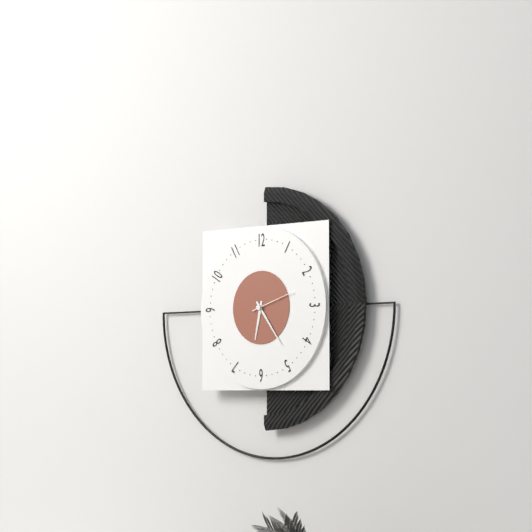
6 h 24 min
